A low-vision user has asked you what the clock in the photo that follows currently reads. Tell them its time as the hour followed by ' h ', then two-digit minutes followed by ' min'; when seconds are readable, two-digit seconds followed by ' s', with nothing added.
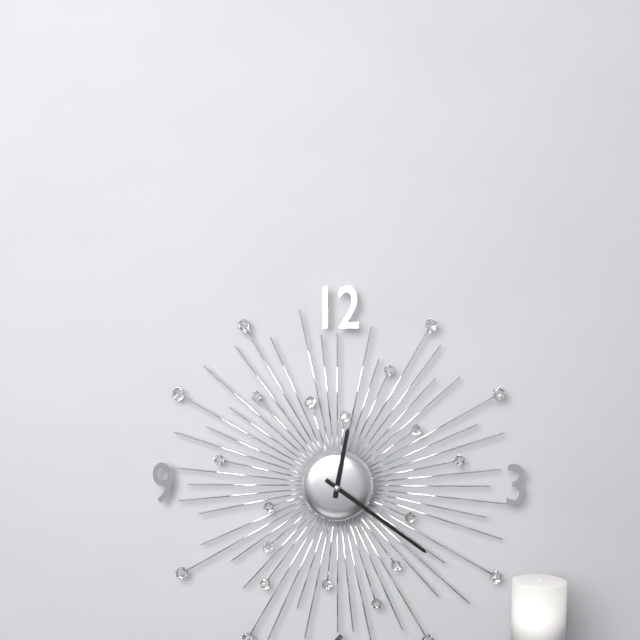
12 h 21 min
